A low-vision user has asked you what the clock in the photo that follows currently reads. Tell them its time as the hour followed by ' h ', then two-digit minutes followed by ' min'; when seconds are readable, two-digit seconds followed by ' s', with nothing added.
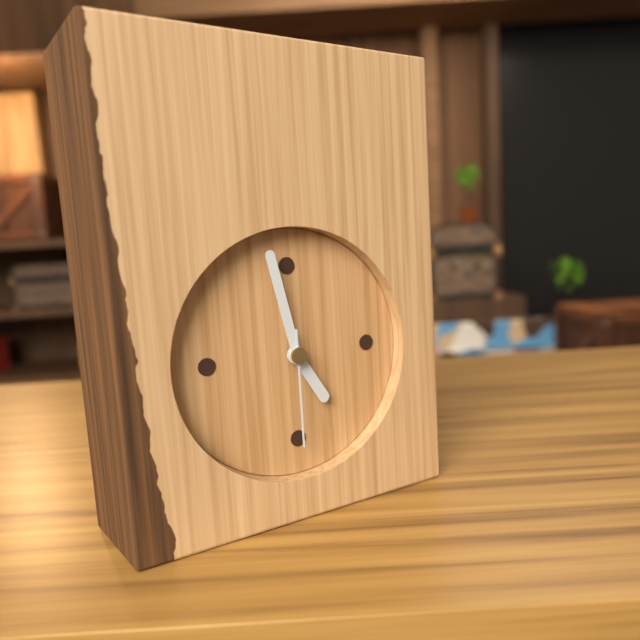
4 h 58 min 30 s
